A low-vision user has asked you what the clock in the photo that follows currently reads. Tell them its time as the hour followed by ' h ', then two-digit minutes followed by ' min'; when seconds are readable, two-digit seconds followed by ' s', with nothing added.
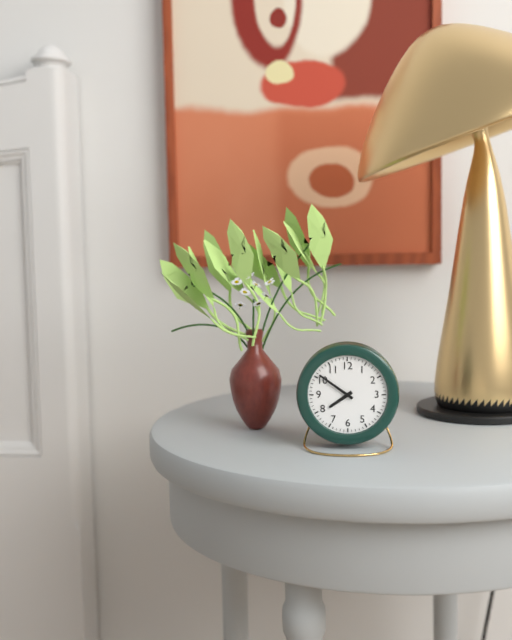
7 h 51 min
